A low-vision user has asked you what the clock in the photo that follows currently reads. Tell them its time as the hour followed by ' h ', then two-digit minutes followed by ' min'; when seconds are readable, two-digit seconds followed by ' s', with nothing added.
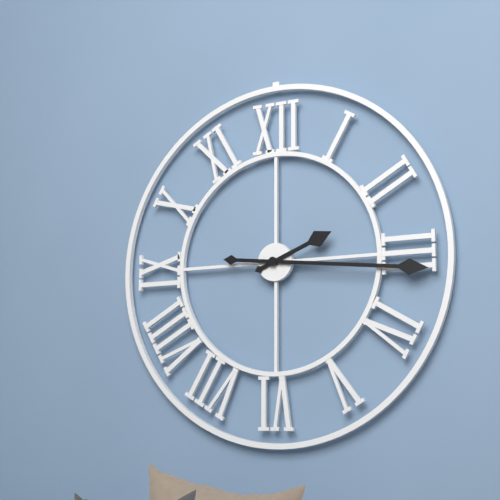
2 h 16 min
